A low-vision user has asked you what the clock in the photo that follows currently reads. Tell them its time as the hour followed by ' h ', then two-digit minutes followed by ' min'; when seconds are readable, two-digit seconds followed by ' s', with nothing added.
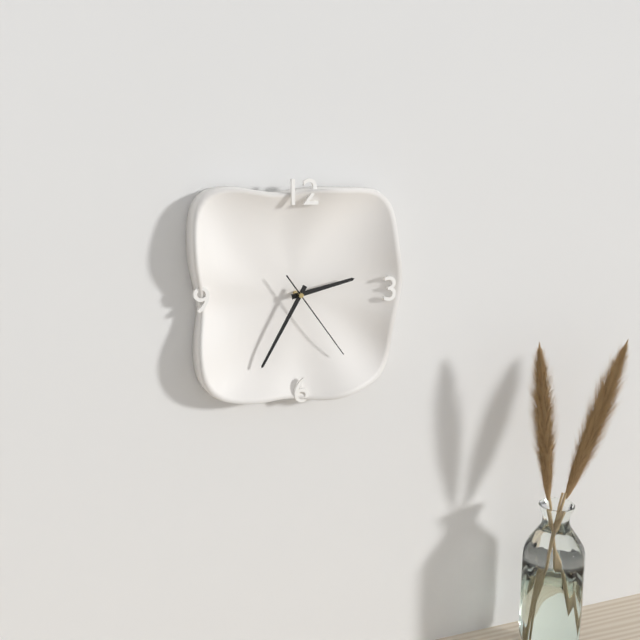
2 h 35 min 24 s
